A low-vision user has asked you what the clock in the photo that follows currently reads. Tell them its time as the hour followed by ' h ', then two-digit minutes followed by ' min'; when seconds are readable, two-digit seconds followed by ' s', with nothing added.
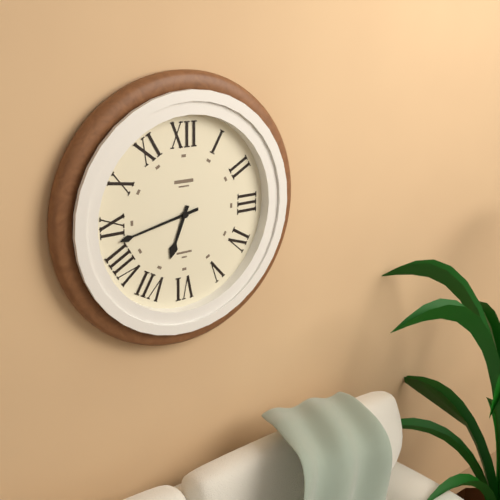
6 h 43 min
